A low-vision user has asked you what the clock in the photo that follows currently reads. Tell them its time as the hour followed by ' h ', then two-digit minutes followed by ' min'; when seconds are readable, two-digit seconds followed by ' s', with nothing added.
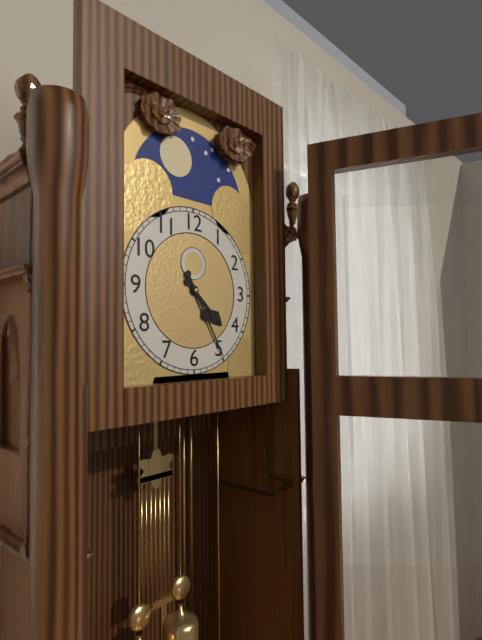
4 h 25 min
